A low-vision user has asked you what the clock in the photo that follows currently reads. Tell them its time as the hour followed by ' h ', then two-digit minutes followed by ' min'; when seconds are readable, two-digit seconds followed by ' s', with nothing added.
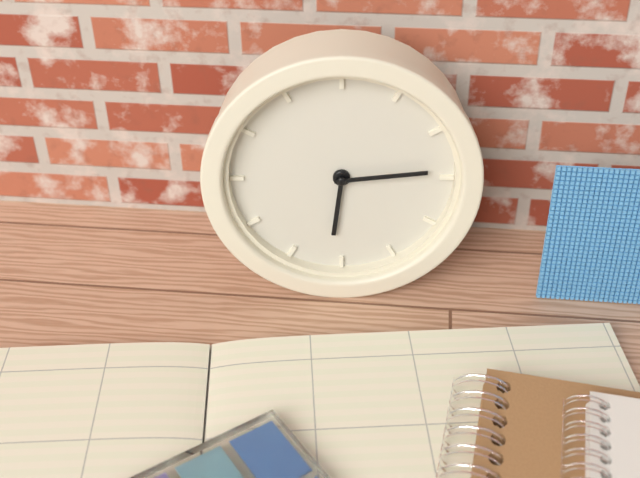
6 h 14 min
